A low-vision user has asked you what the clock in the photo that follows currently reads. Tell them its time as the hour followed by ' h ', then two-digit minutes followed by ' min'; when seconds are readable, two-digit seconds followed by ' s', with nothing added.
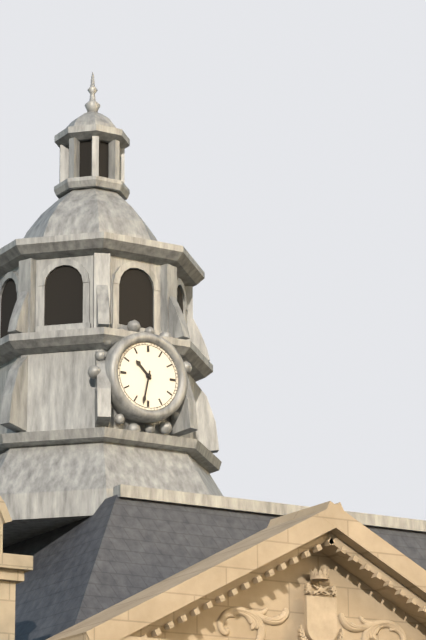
10 h 32 min
